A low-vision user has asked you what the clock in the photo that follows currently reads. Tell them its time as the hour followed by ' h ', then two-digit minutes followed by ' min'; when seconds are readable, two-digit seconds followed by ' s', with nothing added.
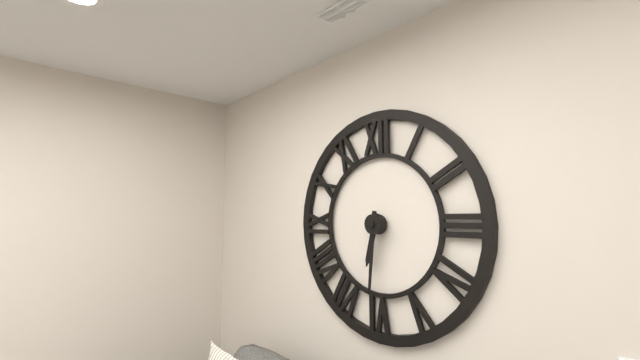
6 h 31 min
